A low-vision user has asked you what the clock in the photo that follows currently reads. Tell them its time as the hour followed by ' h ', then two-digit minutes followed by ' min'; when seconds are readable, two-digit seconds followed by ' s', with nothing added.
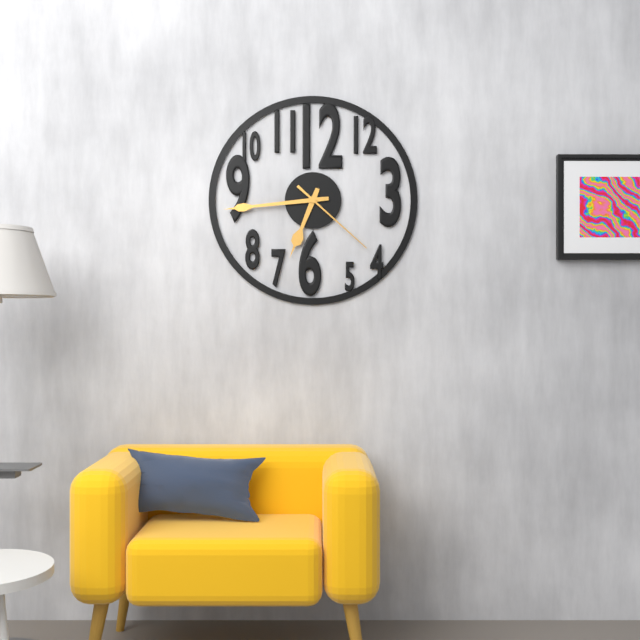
6 h 44 min 22 s
